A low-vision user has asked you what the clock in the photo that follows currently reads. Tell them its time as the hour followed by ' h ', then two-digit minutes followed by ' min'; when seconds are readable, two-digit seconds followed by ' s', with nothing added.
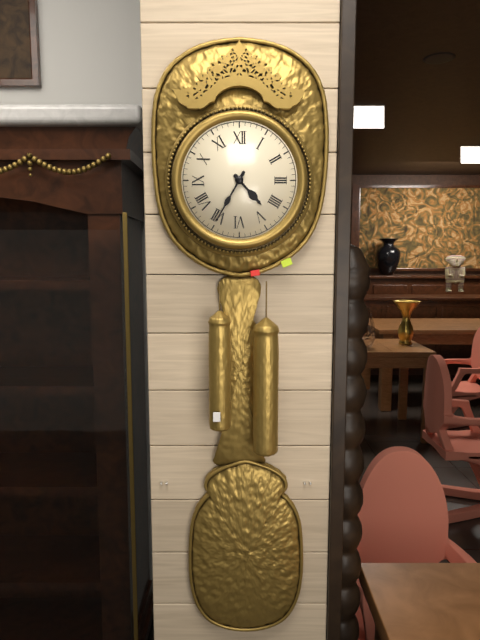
4 h 35 min
